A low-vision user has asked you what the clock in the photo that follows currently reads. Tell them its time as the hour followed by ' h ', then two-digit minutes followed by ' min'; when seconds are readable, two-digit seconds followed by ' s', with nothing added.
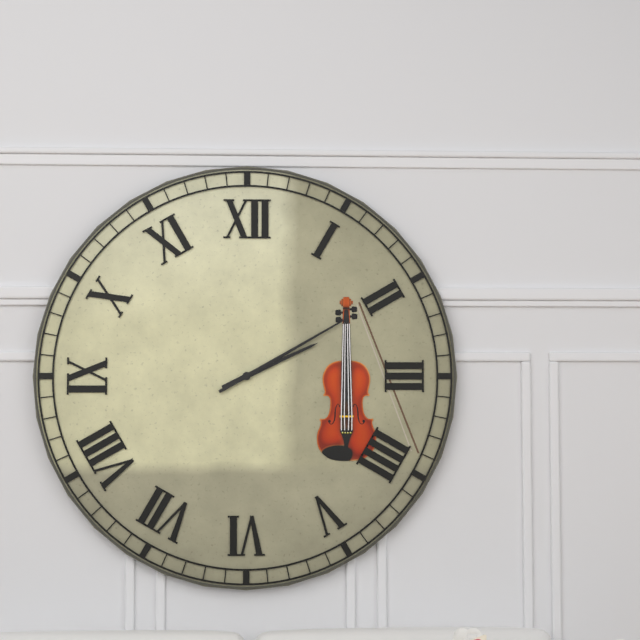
2 h 10 min
